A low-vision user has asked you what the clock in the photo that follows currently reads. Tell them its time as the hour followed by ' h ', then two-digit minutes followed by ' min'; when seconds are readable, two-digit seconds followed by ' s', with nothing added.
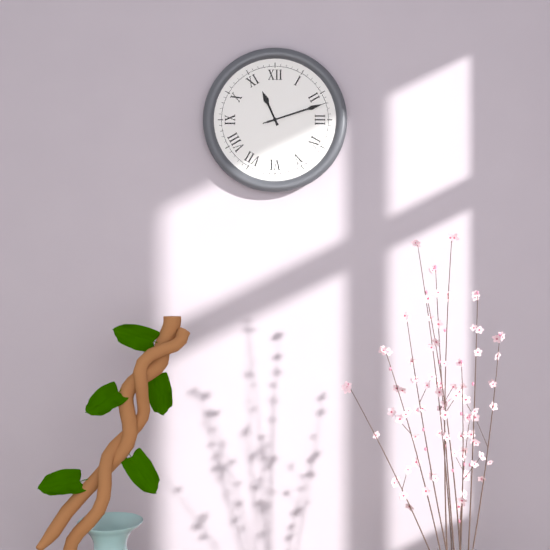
11 h 12 min 12 s
